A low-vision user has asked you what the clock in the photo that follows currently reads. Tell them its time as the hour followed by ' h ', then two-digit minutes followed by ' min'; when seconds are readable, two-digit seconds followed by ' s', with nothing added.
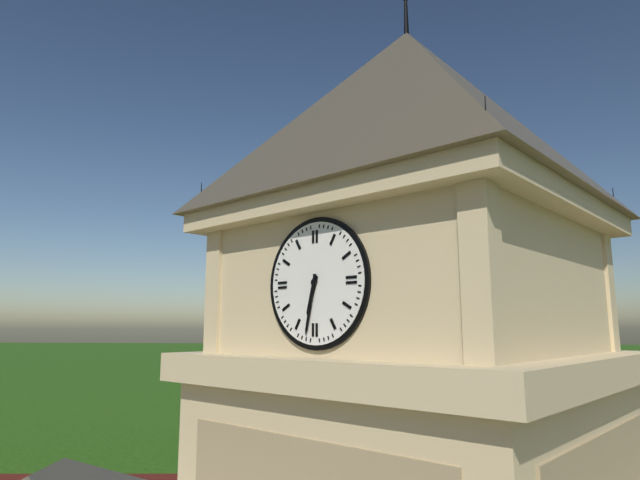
6 h 32 min
